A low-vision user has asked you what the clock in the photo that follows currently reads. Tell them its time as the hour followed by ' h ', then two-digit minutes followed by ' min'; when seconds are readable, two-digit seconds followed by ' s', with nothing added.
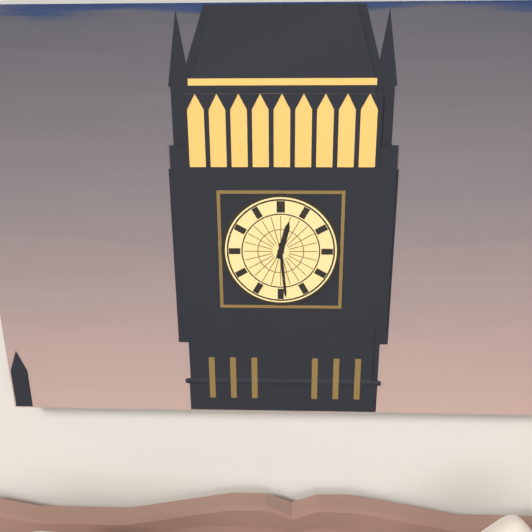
12 h 29 min
